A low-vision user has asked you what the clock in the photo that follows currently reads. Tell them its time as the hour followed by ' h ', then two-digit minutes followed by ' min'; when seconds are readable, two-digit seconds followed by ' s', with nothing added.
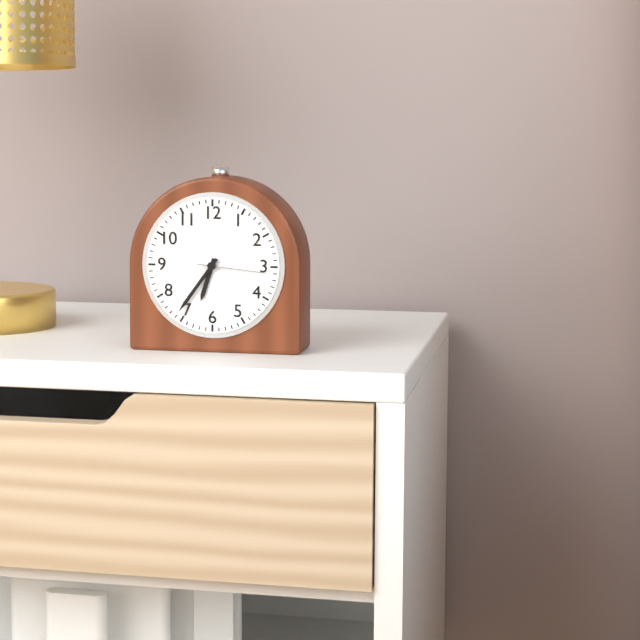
6 h 36 min 16 s
